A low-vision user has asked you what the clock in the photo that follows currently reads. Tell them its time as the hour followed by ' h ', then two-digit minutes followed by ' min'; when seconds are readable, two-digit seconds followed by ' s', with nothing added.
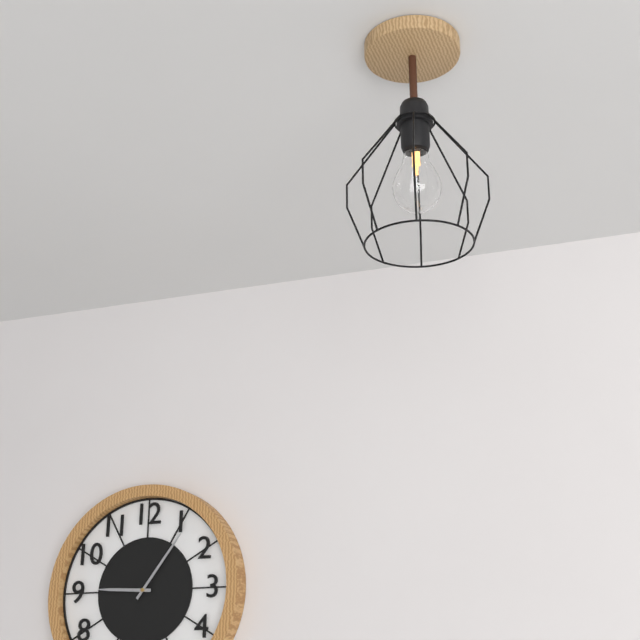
9 h 06 min
